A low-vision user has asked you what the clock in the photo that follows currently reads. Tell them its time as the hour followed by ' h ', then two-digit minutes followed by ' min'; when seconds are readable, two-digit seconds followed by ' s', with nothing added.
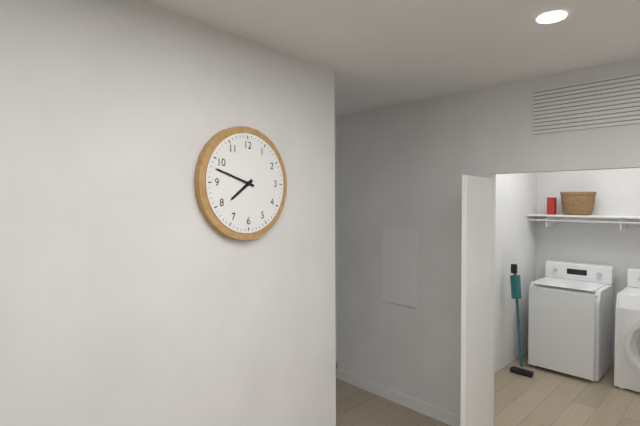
7 h 48 min
